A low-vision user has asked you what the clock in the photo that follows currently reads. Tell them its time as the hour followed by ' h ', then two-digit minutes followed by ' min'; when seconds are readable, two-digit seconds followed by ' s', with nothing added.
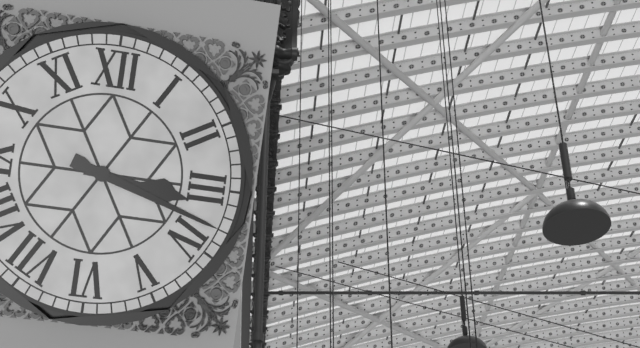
3 h 18 min
